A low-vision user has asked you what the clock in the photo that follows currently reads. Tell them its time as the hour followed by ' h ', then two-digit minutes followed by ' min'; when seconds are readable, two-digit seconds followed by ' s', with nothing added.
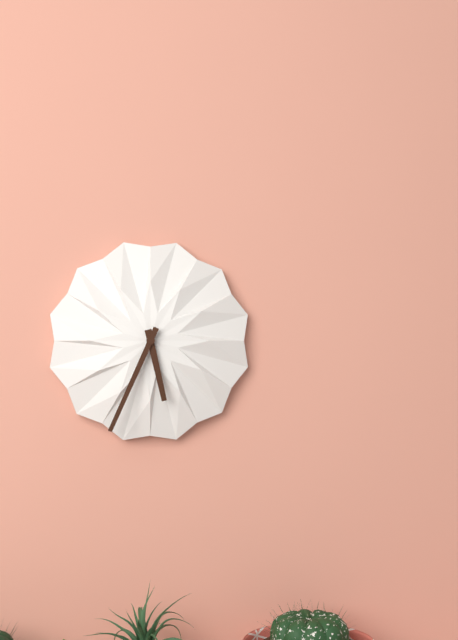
5 h 34 min
